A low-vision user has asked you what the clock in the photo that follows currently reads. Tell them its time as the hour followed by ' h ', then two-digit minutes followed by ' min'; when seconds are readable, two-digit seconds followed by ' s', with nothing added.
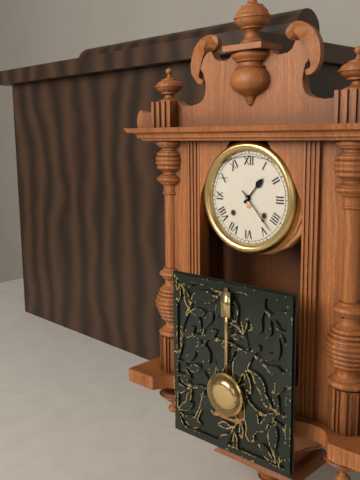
1 h 23 min
